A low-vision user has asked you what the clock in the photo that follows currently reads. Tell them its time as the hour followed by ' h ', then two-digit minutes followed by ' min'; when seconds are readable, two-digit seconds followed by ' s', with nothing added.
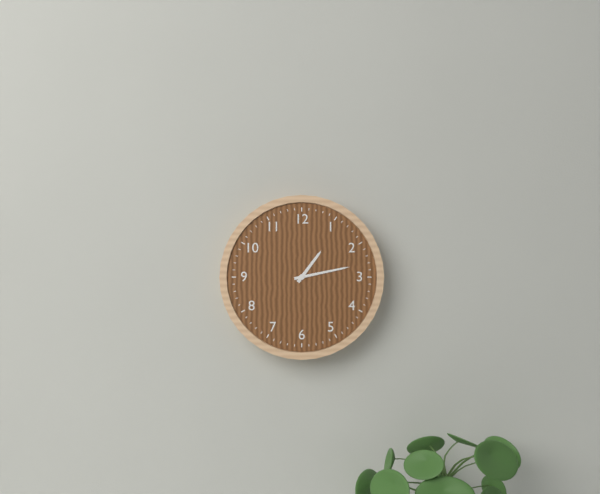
1 h 13 min
